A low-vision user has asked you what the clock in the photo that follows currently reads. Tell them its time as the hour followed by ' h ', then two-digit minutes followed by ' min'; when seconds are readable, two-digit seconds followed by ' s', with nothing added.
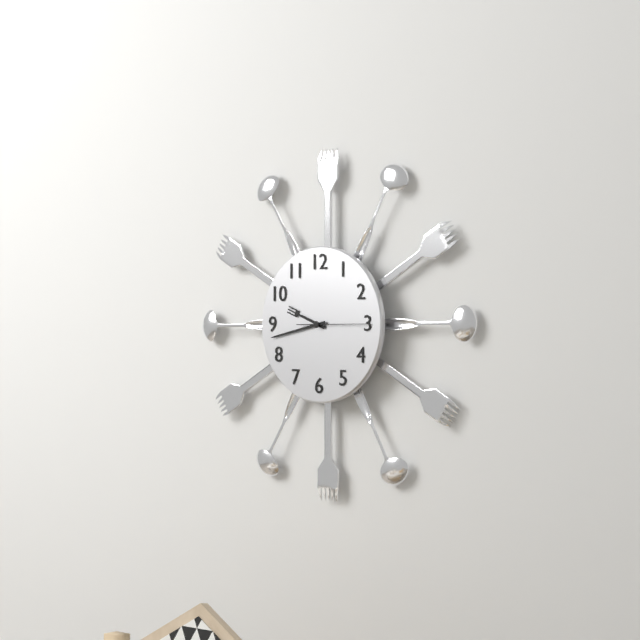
9 h 43 min 15 s
